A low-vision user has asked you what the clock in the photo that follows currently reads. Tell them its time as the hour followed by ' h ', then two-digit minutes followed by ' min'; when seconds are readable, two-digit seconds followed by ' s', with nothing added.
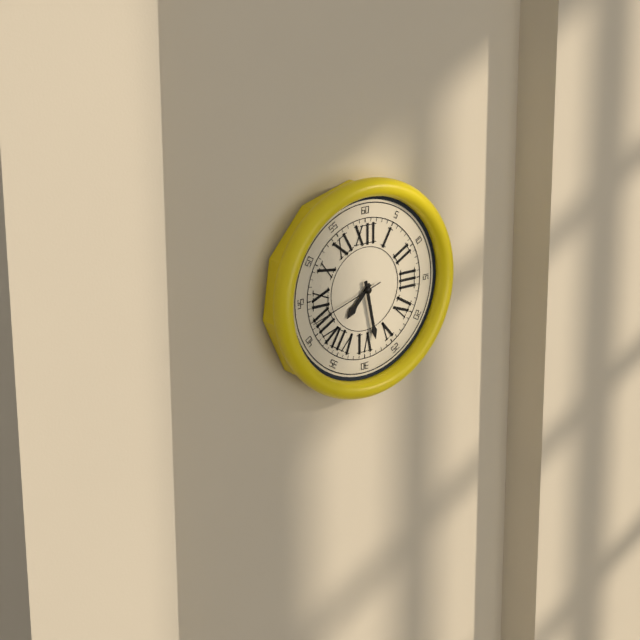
7 h 28 min 42 s
